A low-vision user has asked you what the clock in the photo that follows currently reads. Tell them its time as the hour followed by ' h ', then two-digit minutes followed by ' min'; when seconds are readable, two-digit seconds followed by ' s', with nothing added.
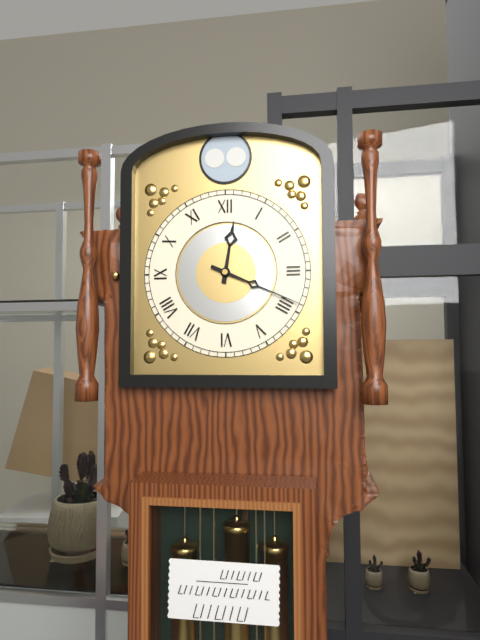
12 h 19 min
